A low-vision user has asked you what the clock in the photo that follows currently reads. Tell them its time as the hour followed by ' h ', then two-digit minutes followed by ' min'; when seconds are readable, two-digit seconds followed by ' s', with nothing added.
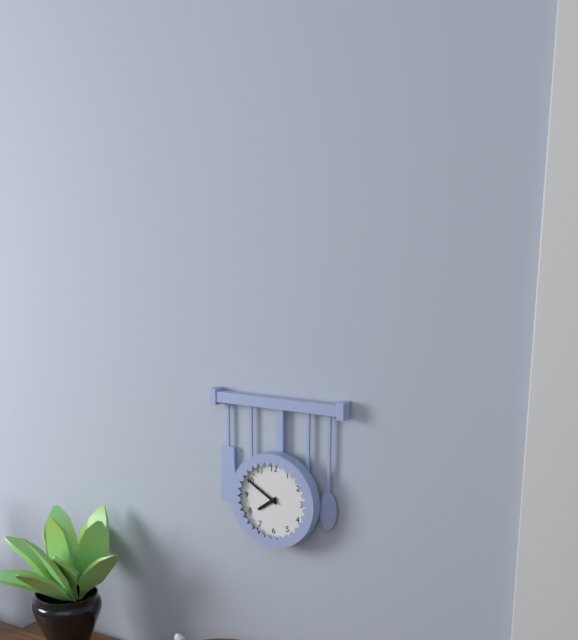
7 h 50 min
